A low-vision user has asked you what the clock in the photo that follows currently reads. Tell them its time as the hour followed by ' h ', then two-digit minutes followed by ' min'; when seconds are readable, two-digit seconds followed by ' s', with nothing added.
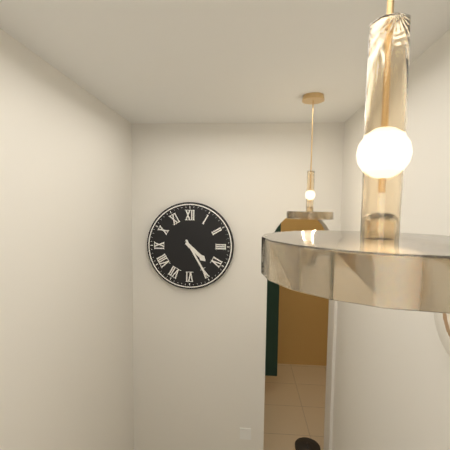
4 h 25 min
